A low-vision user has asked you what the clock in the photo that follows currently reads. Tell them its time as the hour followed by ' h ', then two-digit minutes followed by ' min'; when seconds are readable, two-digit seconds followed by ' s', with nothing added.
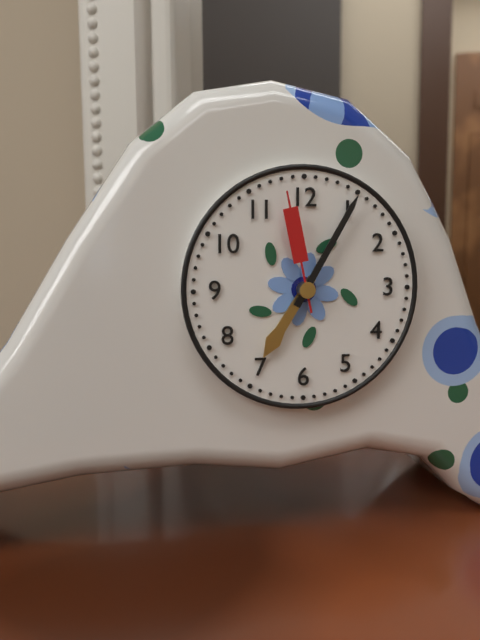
7 h 05 min 58 s
